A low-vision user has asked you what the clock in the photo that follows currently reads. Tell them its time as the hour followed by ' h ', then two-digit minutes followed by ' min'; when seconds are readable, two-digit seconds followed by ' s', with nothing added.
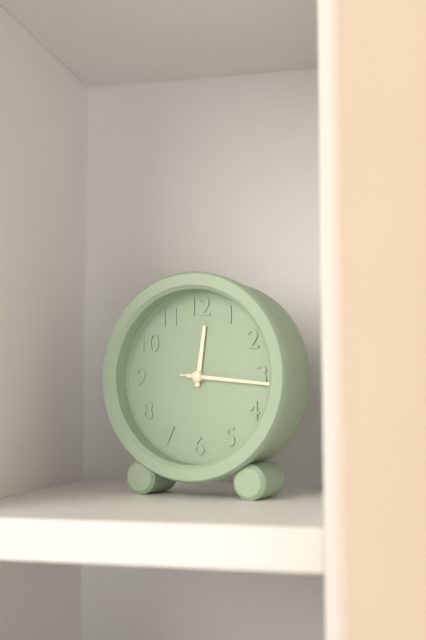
12 h 16 min 16 s
